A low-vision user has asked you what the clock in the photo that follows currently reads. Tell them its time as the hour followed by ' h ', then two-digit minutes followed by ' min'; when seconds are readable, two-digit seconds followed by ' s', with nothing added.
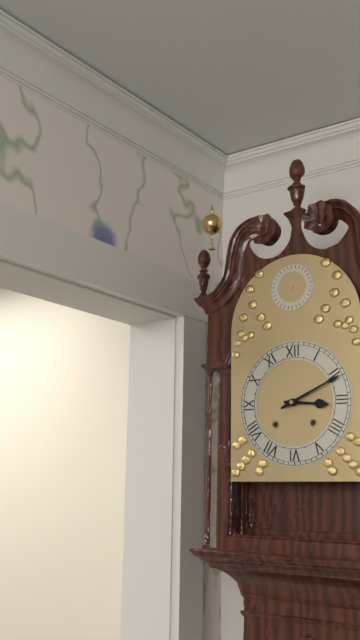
3 h 11 min
